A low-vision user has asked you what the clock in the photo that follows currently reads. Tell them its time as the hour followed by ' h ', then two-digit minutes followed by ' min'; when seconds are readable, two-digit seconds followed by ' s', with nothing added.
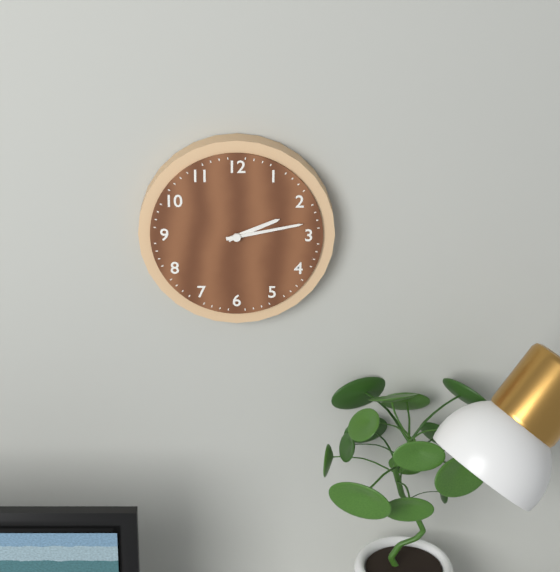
2 h 13 min
